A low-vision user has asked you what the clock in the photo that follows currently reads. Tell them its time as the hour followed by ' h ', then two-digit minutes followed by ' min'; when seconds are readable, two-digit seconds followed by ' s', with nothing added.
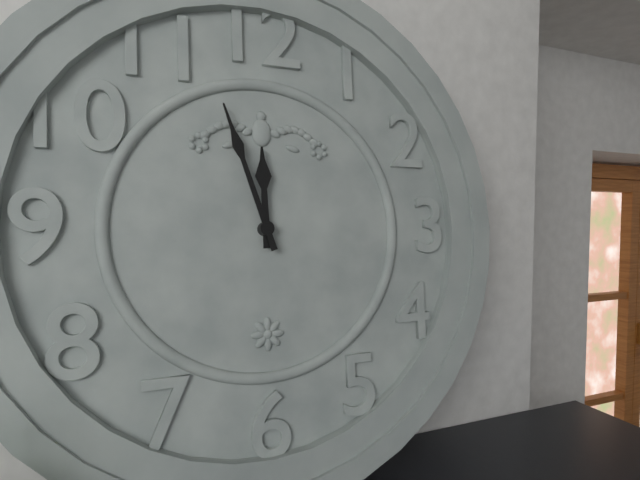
11 h 57 min
